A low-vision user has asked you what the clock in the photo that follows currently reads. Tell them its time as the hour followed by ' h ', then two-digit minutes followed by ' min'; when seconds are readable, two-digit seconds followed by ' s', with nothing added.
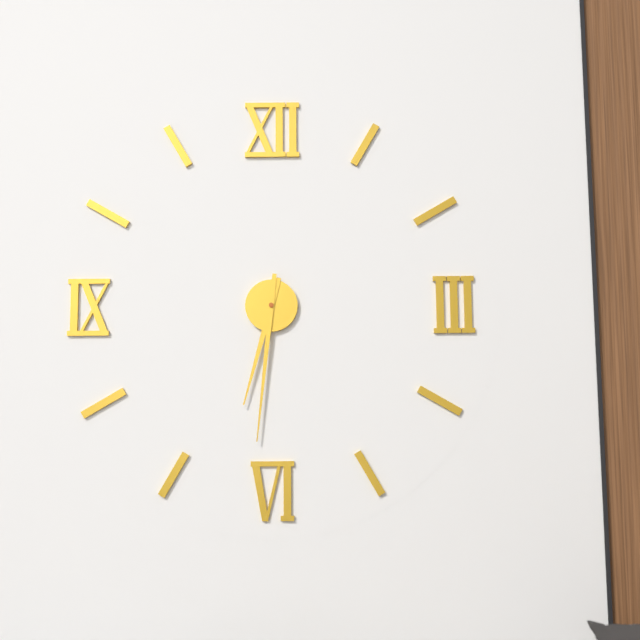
6 h 31 min
